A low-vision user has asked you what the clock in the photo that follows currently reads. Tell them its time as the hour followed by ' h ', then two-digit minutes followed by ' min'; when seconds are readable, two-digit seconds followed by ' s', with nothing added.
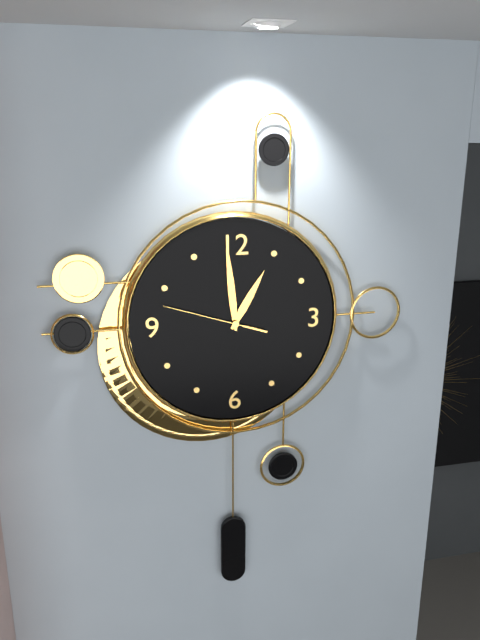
12 h 59 min 48 s
